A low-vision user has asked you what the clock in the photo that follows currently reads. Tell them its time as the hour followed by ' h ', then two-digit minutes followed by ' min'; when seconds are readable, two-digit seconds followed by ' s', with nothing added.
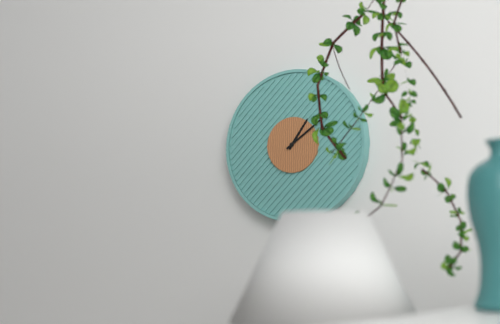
1 h 09 min
